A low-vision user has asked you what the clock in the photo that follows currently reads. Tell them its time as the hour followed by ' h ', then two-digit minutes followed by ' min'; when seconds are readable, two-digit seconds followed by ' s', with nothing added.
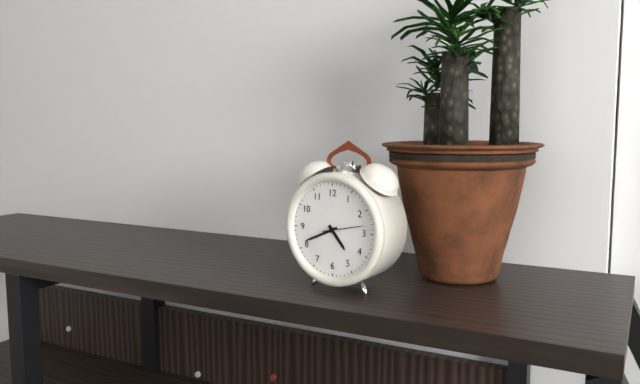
4 h 41 min
